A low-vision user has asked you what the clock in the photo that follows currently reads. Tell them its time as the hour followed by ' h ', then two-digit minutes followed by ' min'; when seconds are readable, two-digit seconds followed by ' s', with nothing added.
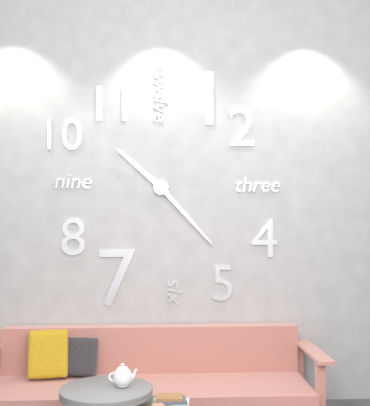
10 h 23 min
